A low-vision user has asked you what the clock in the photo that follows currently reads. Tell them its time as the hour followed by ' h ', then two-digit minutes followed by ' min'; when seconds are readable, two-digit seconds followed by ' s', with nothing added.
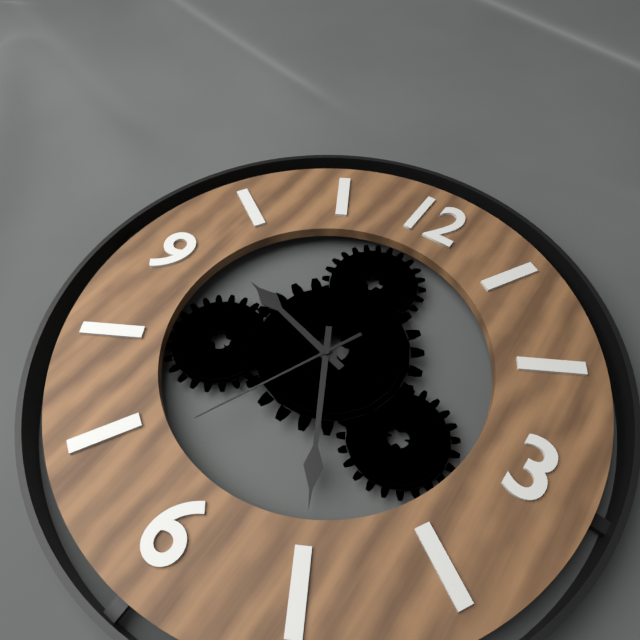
9 h 25 min 34 s
